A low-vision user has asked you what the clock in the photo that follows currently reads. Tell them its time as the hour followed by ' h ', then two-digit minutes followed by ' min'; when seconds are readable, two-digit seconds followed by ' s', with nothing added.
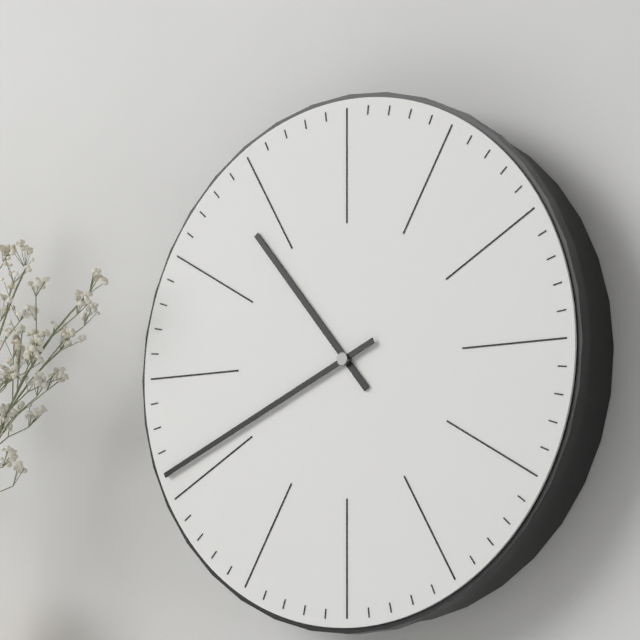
10 h 41 min
